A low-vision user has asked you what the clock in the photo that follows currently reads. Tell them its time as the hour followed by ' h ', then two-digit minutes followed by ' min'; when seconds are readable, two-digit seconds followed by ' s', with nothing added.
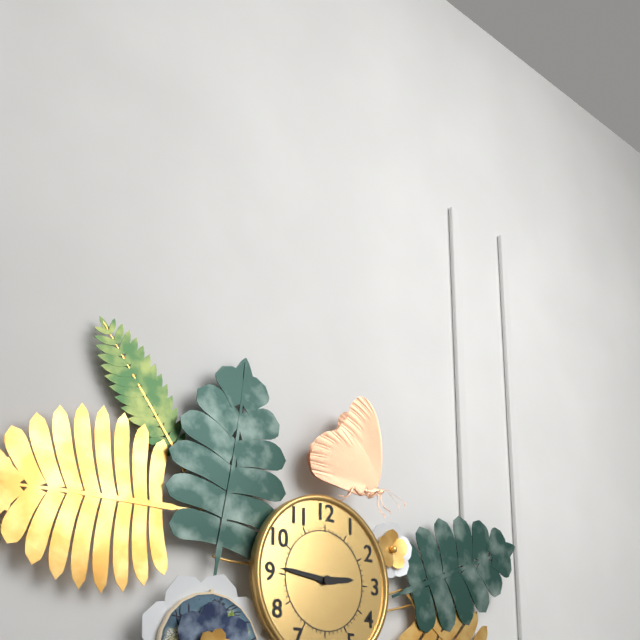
2 h 46 min
